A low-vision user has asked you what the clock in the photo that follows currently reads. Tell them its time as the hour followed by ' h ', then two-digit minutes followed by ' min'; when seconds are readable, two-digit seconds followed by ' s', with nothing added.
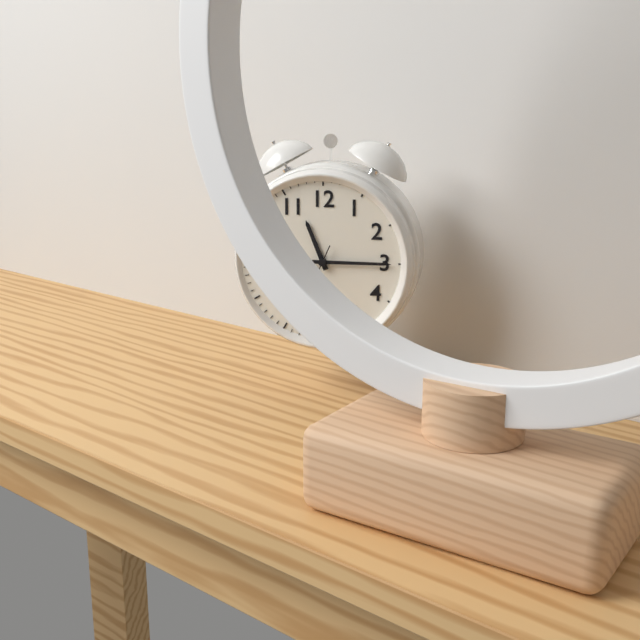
11 h 15 min
